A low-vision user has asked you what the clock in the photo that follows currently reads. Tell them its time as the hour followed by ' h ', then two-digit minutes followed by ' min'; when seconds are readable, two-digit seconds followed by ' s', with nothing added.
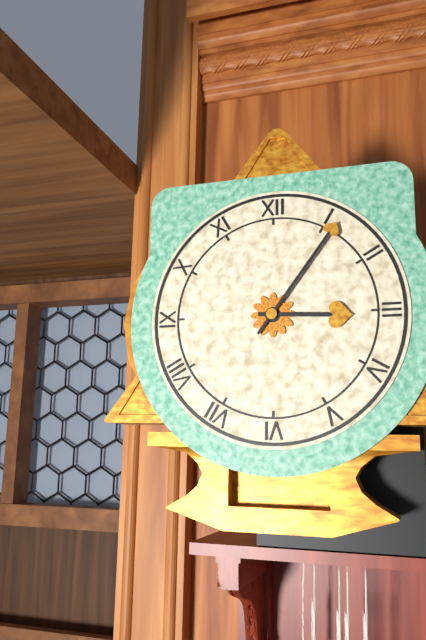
3 h 06 min
